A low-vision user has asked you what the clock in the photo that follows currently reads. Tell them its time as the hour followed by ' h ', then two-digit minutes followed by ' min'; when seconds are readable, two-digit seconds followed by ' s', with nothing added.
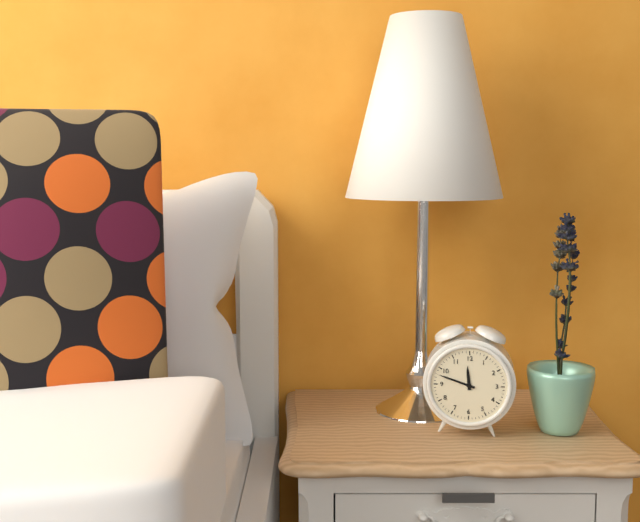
11 h 48 min
